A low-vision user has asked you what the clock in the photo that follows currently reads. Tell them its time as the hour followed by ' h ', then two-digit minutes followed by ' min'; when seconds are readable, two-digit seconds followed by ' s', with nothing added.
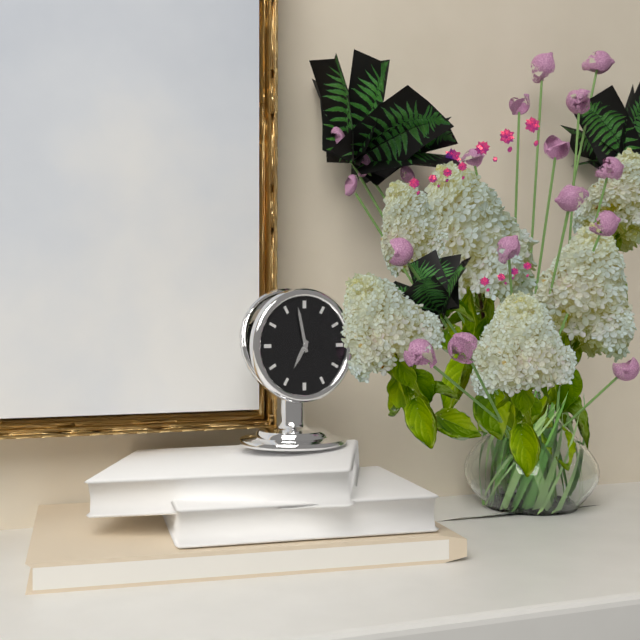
6 h 58 min
